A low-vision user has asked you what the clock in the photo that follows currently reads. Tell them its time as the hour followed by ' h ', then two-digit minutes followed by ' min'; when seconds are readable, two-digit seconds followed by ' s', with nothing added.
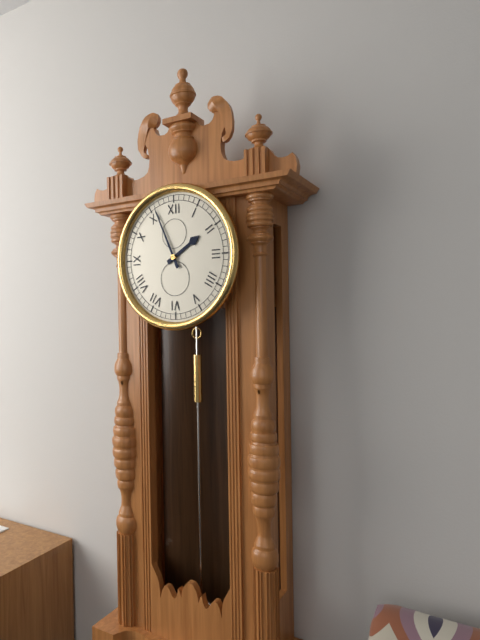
1 h 56 min
